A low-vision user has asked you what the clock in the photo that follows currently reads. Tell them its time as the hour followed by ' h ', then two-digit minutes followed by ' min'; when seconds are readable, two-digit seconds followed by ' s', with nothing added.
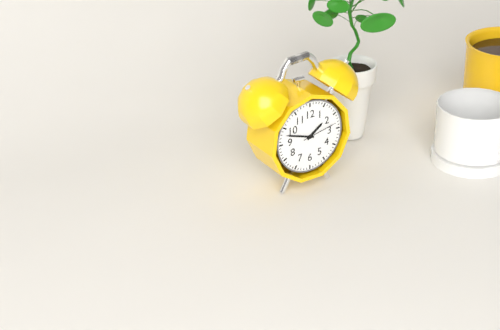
1 h 48 min
